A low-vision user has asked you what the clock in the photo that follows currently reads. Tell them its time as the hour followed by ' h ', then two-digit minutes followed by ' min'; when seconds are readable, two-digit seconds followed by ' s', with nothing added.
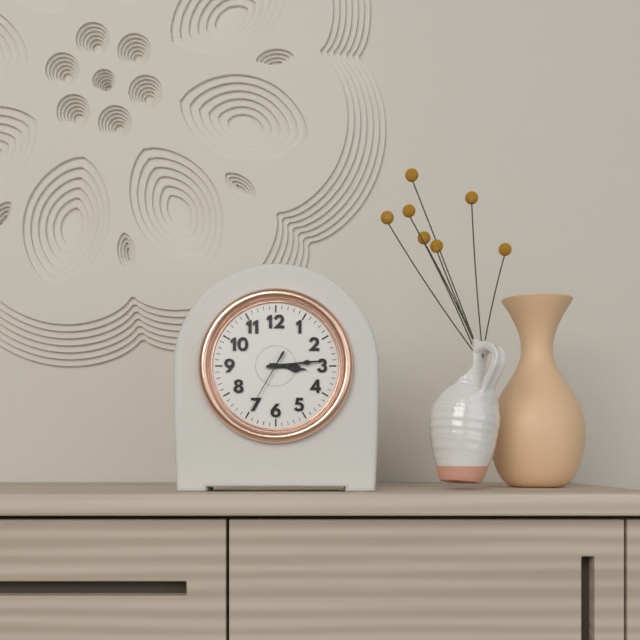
3 h 14 min 35 s
